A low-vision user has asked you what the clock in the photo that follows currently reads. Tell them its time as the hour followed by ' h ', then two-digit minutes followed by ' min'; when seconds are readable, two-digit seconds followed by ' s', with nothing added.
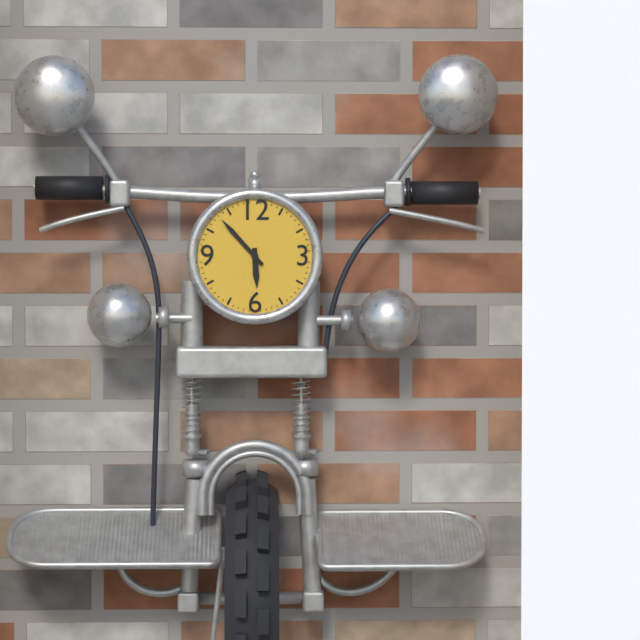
5 h 53 min
